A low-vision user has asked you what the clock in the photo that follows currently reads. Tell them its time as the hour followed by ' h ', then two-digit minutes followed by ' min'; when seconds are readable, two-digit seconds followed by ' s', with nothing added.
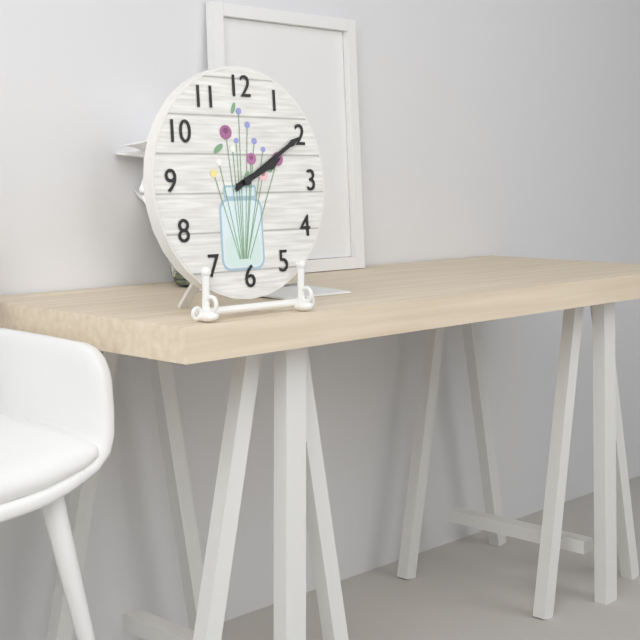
2 h 10 min 10 s
